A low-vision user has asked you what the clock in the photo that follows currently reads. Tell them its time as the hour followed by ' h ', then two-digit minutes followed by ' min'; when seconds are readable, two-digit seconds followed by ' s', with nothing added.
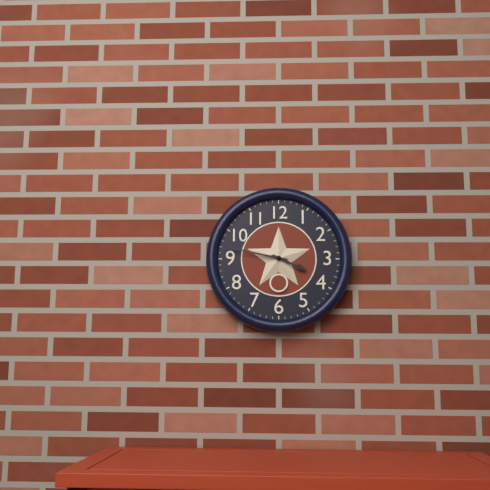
3 h 47 min
